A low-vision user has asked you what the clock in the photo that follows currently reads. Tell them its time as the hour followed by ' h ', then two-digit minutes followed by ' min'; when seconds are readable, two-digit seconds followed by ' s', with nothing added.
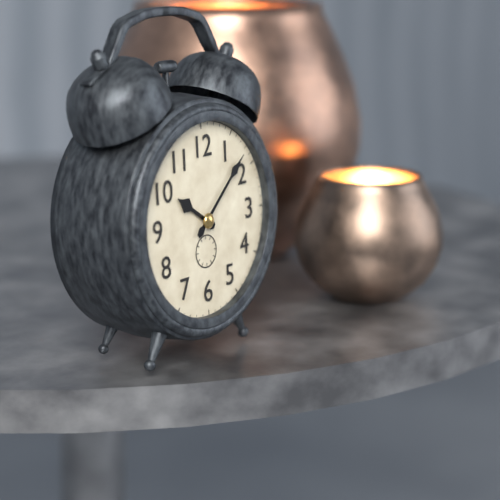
10 h 08 min
